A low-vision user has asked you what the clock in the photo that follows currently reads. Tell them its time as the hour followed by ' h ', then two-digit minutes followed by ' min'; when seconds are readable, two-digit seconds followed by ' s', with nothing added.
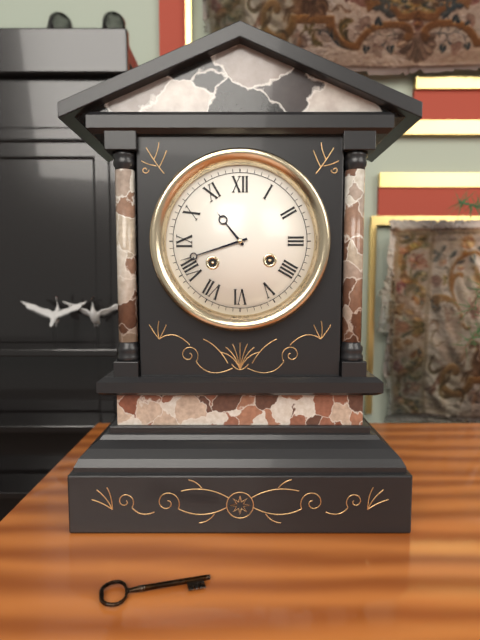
10 h 42 min
